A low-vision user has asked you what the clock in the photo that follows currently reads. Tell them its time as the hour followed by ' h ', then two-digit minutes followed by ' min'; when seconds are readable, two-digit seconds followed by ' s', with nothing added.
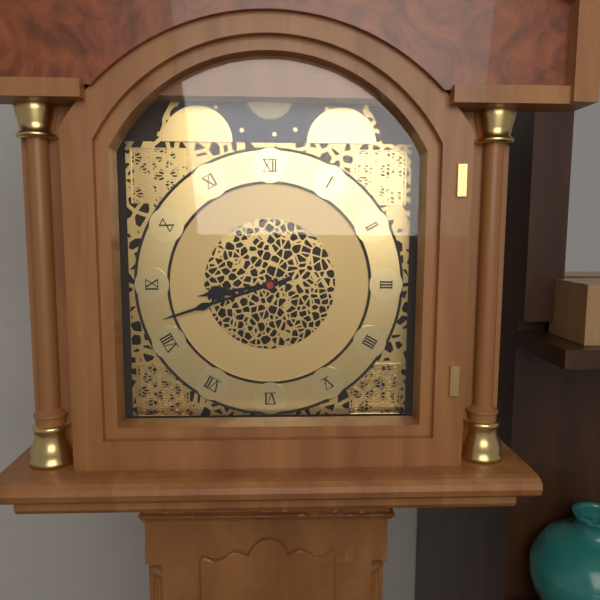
8 h 42 min
